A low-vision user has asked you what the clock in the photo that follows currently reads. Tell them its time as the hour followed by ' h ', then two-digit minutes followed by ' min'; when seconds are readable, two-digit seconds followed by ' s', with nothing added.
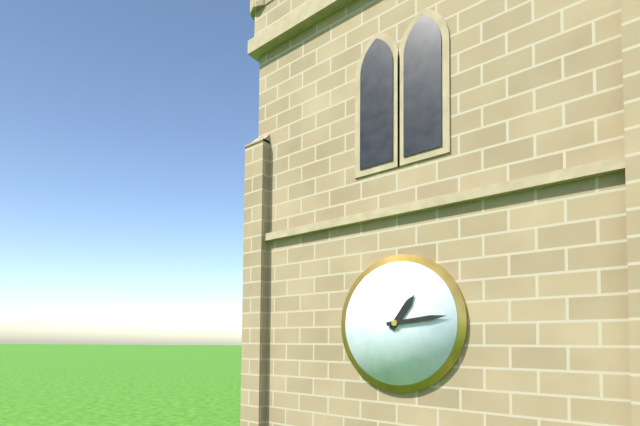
1 h 14 min
